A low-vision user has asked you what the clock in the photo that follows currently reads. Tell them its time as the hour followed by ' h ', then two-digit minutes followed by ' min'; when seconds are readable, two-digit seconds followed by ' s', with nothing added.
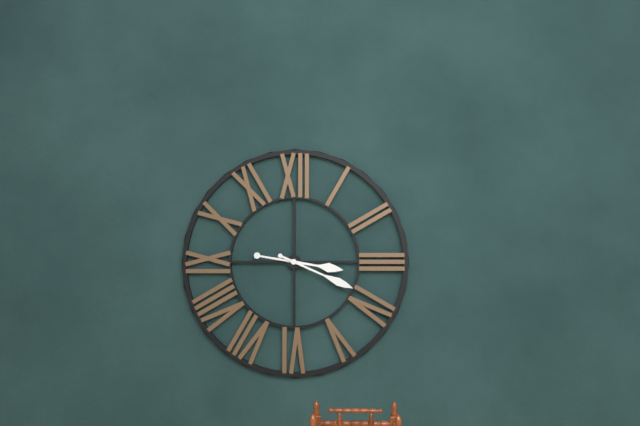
3 h 19 min
